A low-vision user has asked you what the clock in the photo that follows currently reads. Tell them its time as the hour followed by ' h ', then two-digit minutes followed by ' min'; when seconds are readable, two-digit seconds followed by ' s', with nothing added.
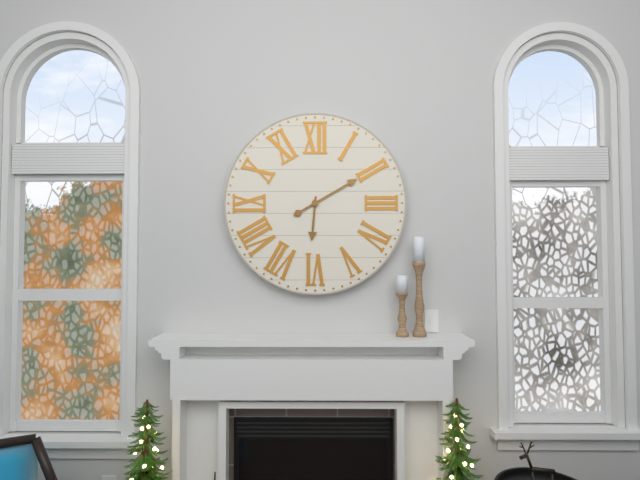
6 h 10 min
